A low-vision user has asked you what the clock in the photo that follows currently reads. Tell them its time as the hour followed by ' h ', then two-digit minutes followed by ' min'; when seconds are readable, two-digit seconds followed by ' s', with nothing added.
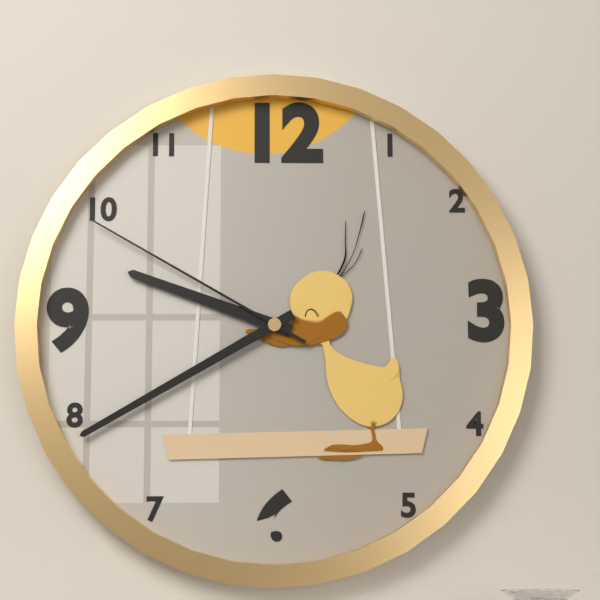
9 h 40 min 50 s
